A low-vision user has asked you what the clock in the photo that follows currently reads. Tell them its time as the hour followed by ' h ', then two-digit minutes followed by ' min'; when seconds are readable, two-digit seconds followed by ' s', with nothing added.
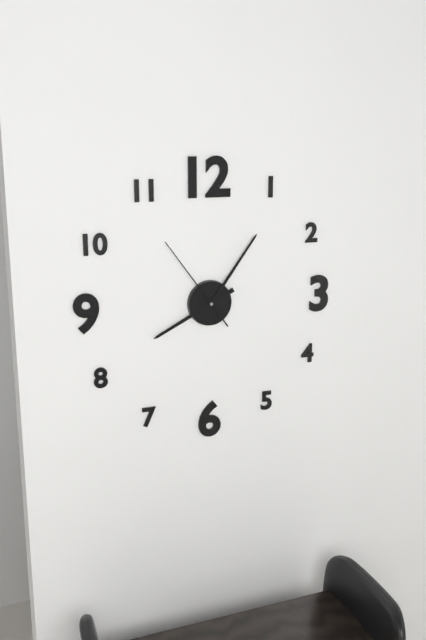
8 h 06 min 54 s
